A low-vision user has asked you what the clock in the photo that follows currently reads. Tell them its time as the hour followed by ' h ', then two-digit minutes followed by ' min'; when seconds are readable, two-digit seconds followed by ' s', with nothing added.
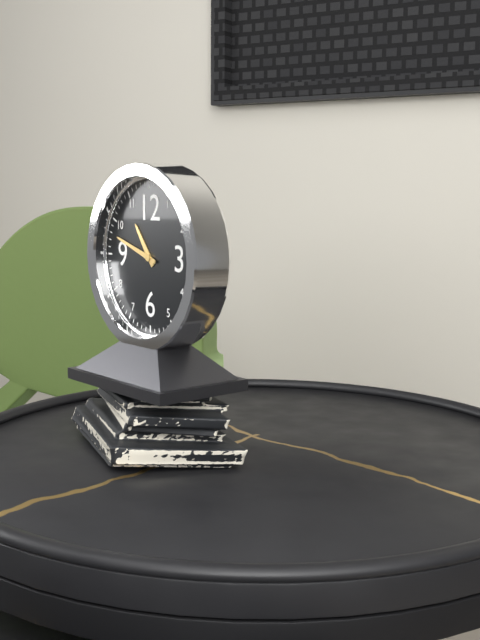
10 h 48 min
